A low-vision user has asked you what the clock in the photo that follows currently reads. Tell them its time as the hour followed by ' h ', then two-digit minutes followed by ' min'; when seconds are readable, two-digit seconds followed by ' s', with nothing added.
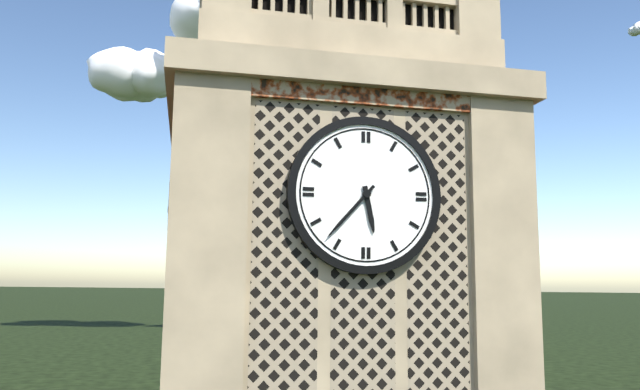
5 h 37 min
